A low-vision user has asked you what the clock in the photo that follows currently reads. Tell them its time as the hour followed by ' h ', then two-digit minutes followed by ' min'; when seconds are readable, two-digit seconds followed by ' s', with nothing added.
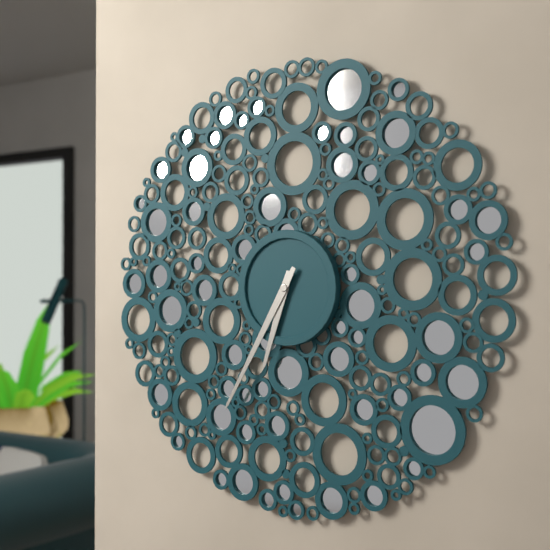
6 h 35 min
